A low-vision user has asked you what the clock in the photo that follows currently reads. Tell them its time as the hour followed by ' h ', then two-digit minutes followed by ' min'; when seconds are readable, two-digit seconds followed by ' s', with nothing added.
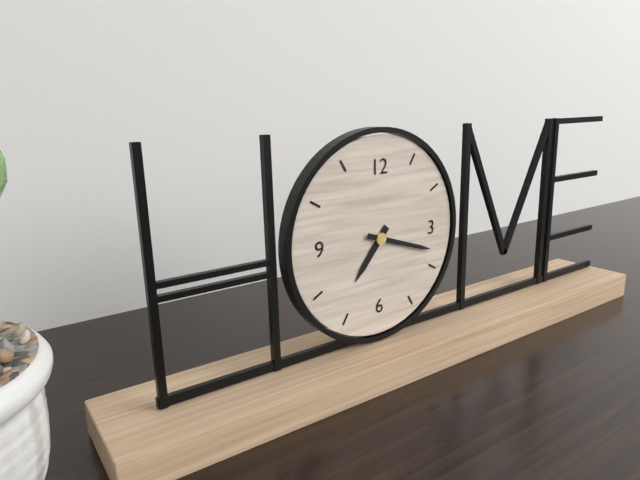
7 h 18 min
